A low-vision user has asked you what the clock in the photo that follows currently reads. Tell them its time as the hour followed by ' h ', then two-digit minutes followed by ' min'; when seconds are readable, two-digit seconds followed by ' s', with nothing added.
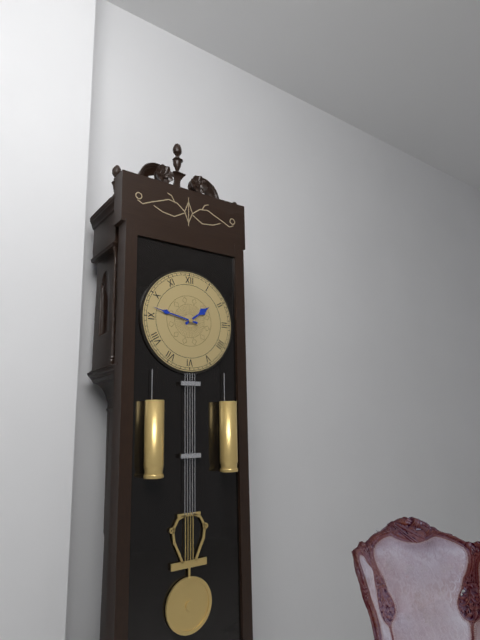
1 h 47 min
